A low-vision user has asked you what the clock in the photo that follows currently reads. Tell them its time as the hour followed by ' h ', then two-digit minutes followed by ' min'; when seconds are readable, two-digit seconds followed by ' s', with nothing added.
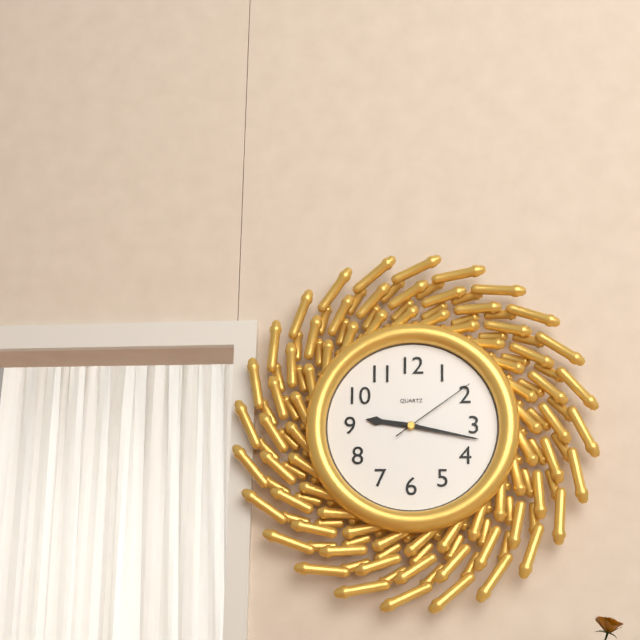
9 h 17 min 09 s
